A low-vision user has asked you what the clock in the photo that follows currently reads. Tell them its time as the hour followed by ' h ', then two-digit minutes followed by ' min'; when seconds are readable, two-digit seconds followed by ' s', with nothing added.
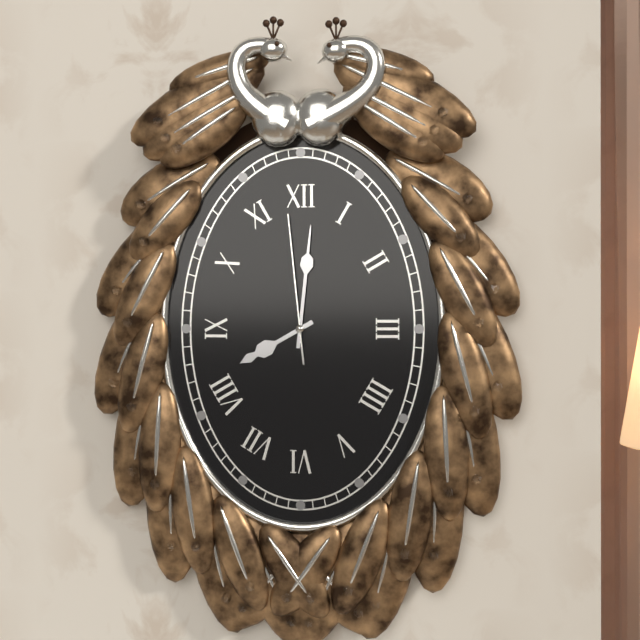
8 h 01 min 59 s
